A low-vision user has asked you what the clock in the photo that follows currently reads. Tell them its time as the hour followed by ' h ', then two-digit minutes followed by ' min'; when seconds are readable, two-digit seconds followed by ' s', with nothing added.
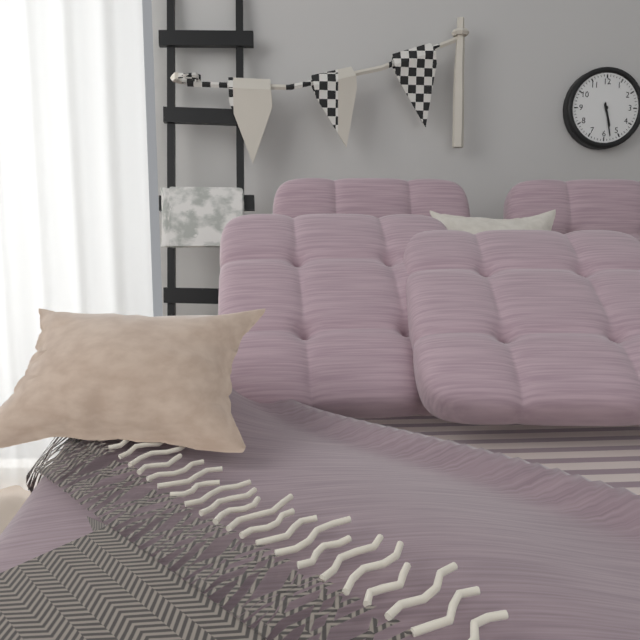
5 h 28 min
